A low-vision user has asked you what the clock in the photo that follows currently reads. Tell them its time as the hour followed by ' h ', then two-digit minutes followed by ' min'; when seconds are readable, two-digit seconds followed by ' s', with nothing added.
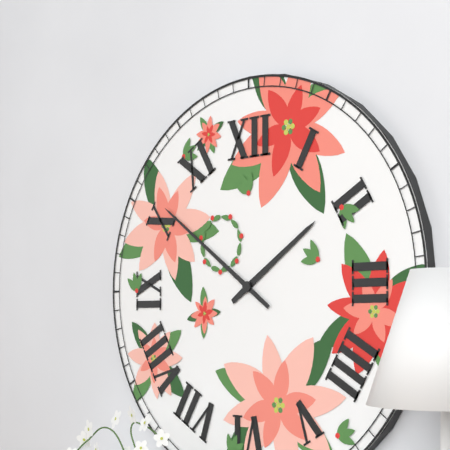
1 h 51 min
